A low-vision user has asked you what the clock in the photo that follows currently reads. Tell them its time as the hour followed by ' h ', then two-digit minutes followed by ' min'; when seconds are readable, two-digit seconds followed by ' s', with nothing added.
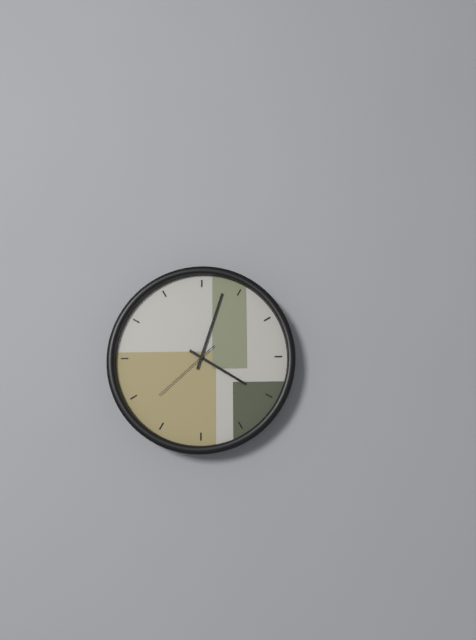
4 h 03 min 38 s
